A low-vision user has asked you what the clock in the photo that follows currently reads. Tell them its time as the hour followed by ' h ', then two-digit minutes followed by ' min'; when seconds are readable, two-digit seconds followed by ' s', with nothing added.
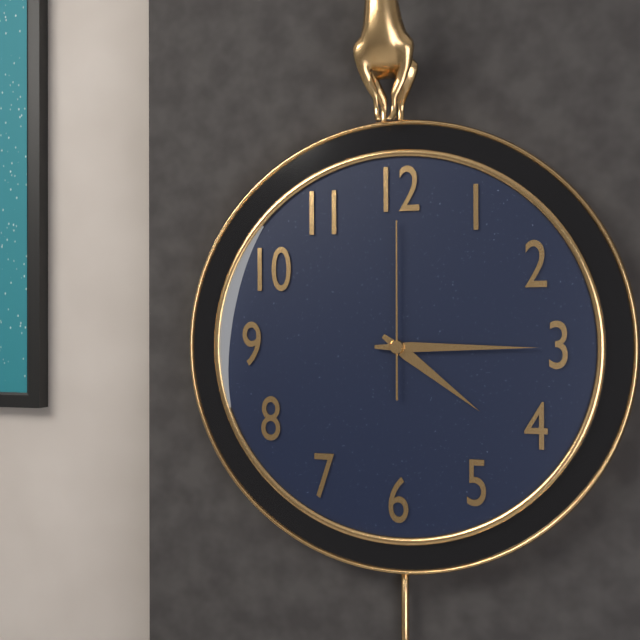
4 h 15 min 00 s
